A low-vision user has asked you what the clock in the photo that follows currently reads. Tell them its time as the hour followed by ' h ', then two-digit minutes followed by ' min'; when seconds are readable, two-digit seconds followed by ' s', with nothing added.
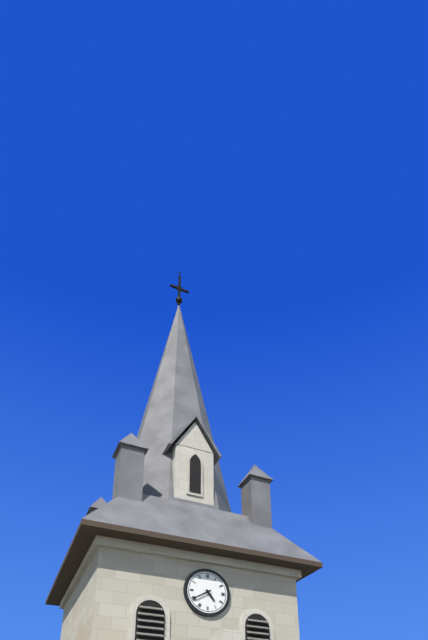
4 h 40 min
